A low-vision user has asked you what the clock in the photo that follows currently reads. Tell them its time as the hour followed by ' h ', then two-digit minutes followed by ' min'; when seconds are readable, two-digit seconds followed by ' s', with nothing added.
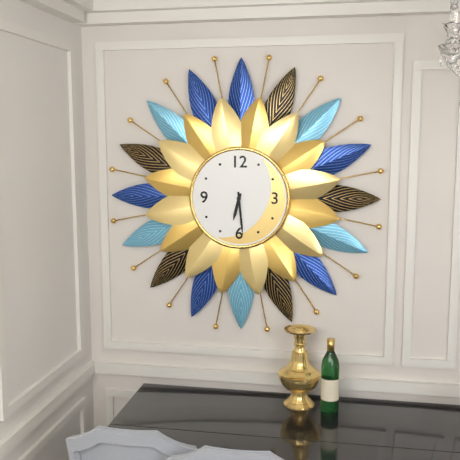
6 h 29 min
